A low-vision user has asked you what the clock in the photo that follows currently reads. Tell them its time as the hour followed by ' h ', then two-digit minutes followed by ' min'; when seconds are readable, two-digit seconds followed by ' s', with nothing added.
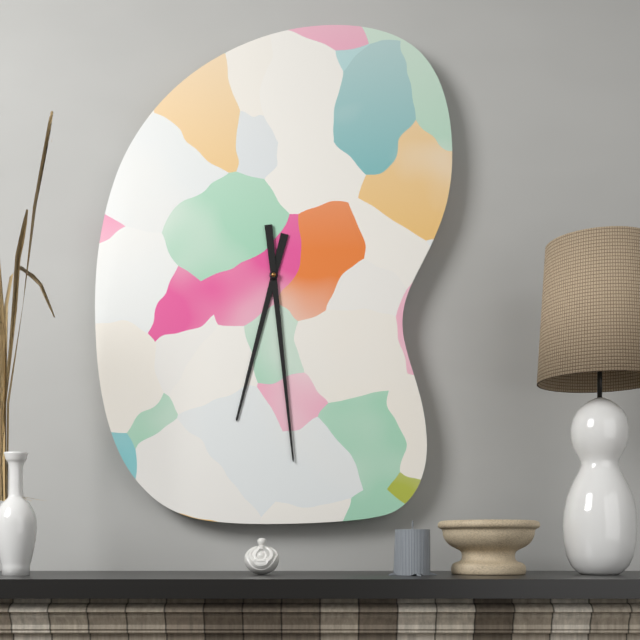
6 h 29 min
